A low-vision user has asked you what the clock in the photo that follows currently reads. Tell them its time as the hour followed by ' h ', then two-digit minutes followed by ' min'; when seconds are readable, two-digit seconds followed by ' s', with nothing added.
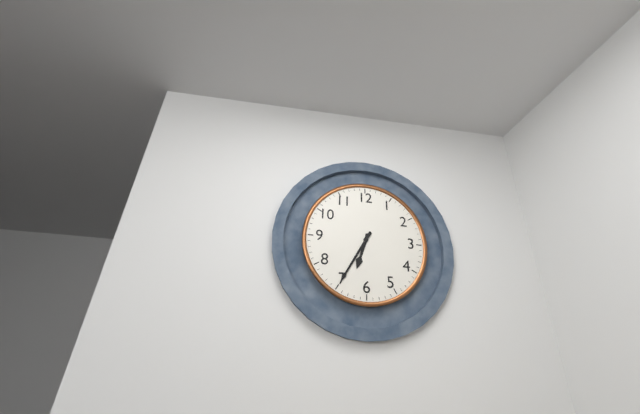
6 h 35 min
